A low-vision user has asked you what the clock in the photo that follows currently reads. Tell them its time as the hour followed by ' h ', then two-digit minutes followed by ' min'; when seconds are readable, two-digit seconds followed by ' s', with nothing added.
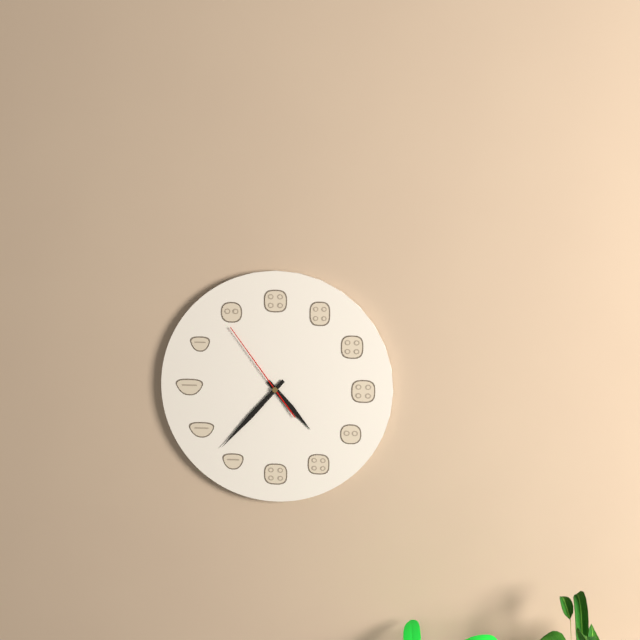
4 h 37 min 54 s
